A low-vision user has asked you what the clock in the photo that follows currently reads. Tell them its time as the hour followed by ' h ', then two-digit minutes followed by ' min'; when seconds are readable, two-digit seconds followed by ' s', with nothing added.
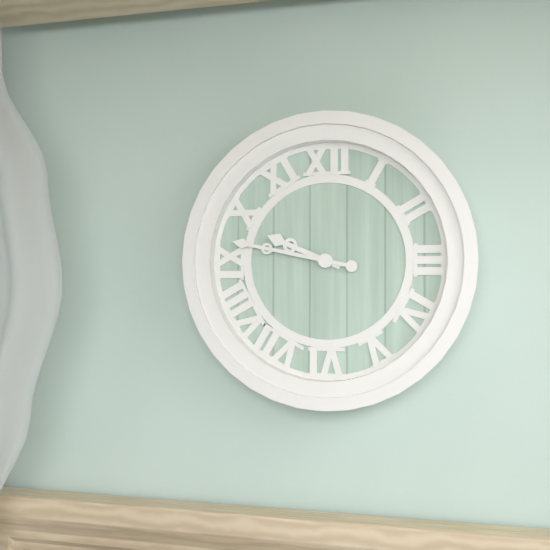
9 h 47 min
